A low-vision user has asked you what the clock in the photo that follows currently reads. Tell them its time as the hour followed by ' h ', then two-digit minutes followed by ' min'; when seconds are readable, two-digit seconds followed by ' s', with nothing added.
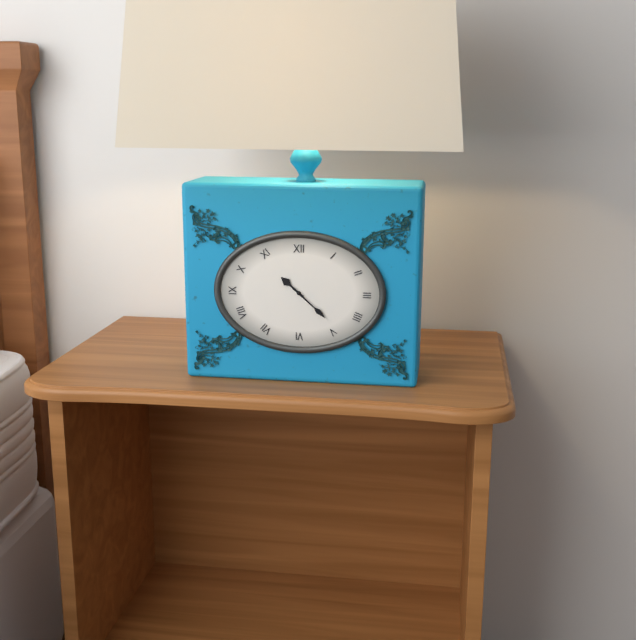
10 h 22 min
